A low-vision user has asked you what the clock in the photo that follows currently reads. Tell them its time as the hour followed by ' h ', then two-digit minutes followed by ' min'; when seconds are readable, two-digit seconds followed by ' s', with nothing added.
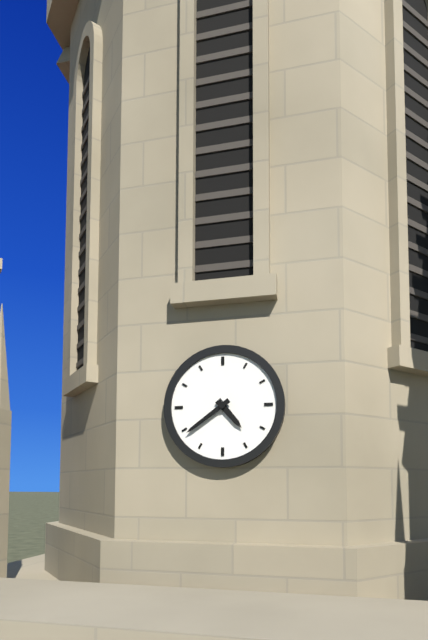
4 h 39 min
